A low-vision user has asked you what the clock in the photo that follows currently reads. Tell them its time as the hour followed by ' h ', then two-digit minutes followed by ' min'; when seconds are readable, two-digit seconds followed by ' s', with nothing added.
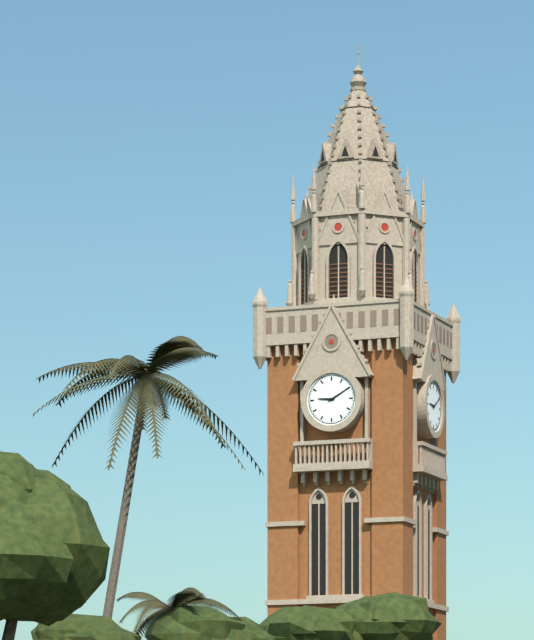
9 h 10 min
